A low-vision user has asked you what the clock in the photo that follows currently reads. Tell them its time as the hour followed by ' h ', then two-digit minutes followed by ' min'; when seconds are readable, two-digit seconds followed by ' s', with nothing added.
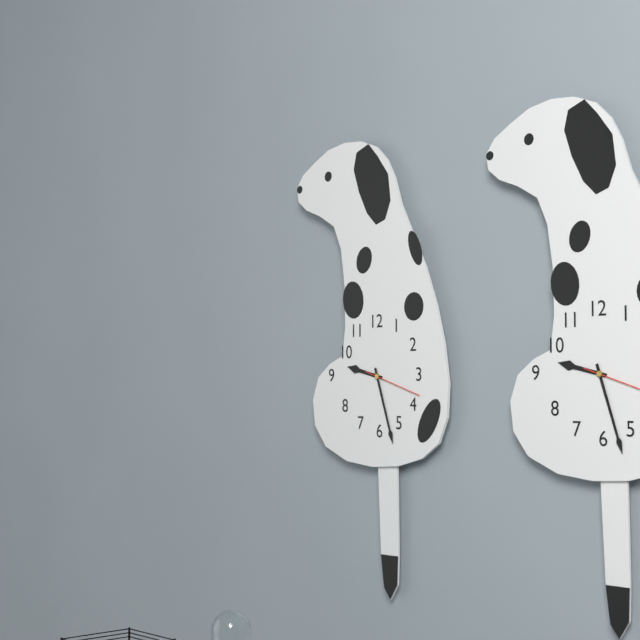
9 h 27 min 18 s
